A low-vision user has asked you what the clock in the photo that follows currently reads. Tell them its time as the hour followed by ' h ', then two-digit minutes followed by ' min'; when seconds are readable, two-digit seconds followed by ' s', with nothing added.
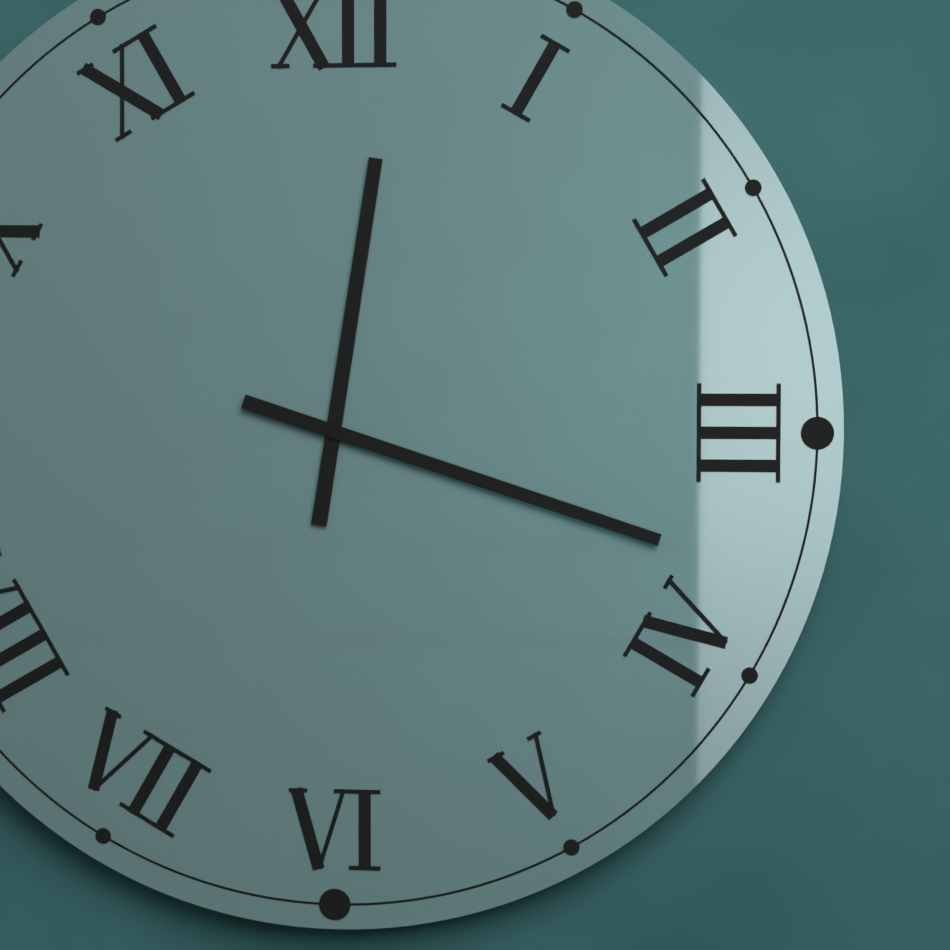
12 h 18 min
